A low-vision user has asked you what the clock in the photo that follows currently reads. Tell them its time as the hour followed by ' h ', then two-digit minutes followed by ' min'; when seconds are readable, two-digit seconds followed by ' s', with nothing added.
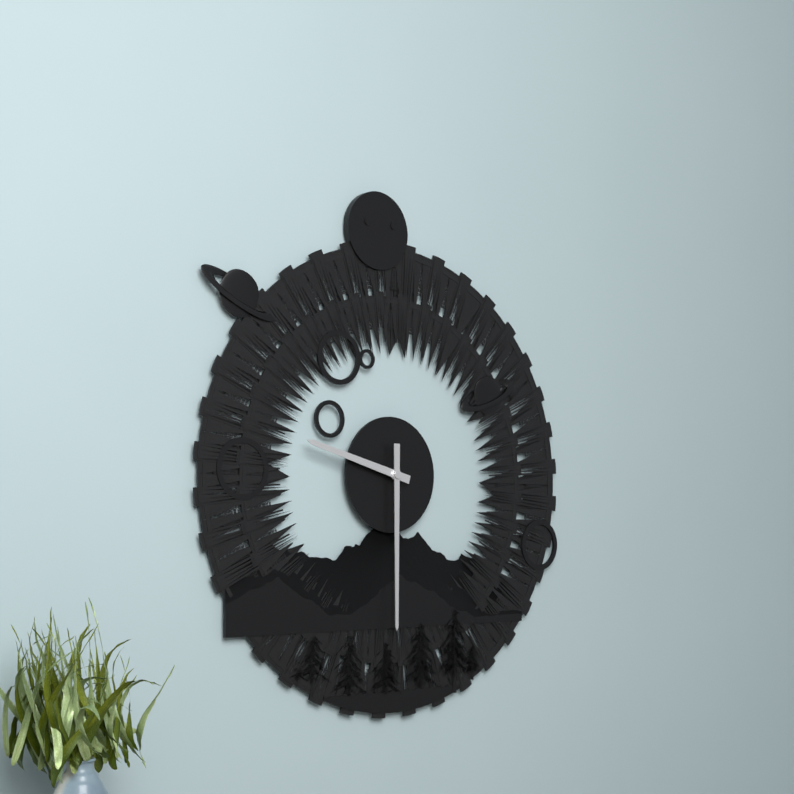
9 h 30 min
